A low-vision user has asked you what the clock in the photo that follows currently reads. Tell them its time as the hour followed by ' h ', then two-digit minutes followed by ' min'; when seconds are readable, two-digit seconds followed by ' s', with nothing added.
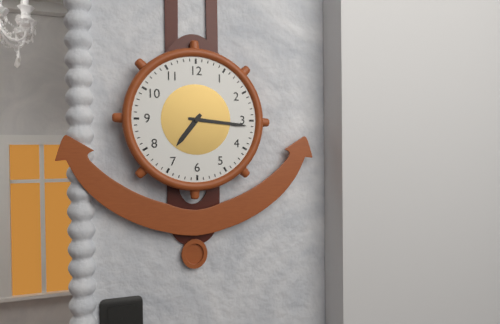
7 h 16 min
